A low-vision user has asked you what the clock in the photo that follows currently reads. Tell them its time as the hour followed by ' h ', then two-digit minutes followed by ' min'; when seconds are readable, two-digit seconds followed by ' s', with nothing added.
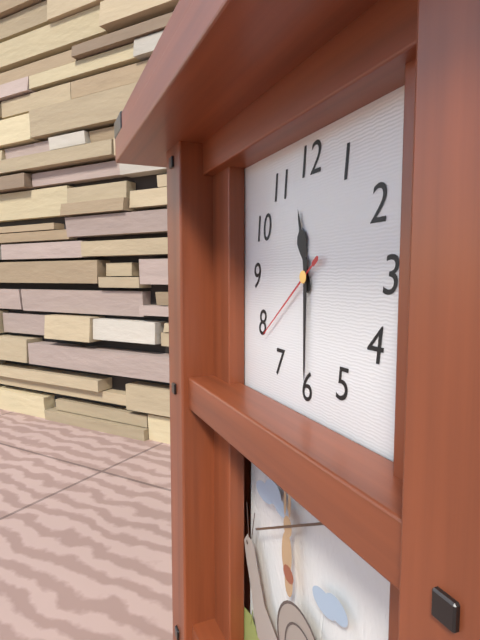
11 h 30 min 39 s
